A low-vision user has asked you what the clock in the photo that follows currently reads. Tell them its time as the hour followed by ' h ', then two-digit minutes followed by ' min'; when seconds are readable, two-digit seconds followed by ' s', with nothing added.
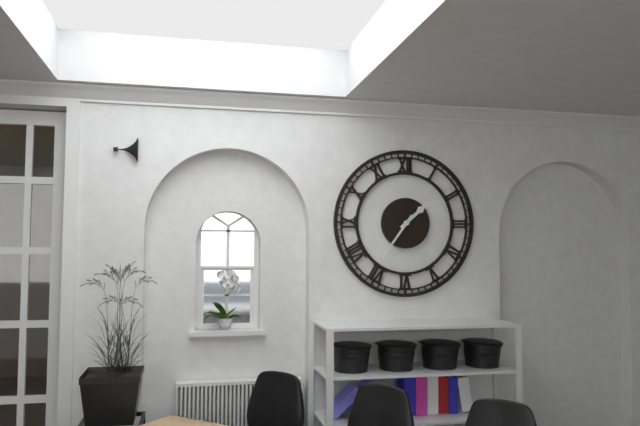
1 h 36 min
